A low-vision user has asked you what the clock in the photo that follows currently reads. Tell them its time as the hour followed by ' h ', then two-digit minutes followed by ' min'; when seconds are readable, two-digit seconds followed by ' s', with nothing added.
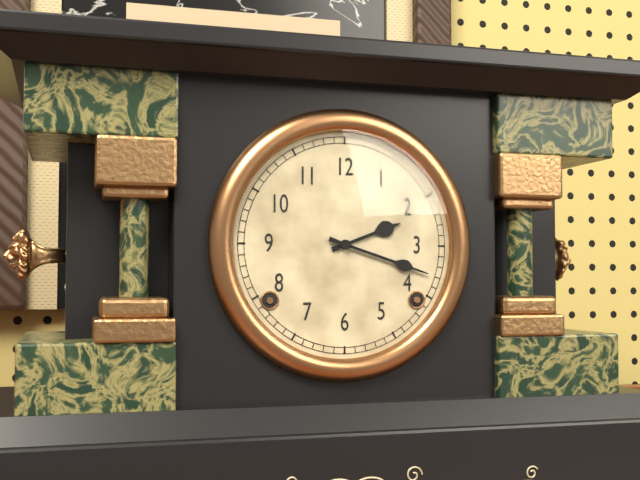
2 h 18 min
